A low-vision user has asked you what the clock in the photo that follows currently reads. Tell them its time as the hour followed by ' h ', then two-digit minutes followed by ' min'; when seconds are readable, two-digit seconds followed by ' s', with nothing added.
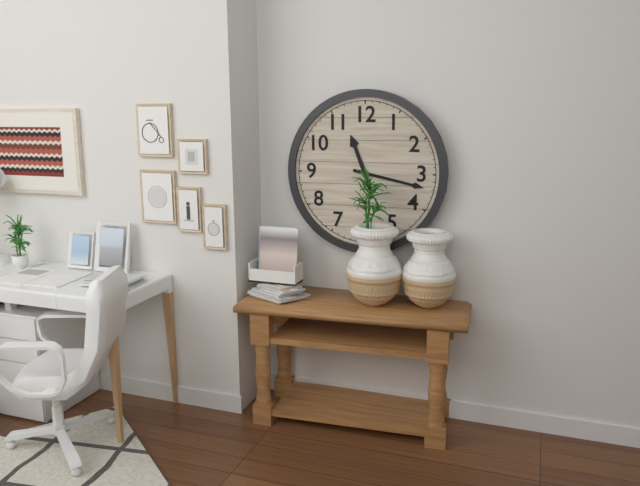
11 h 17 min
